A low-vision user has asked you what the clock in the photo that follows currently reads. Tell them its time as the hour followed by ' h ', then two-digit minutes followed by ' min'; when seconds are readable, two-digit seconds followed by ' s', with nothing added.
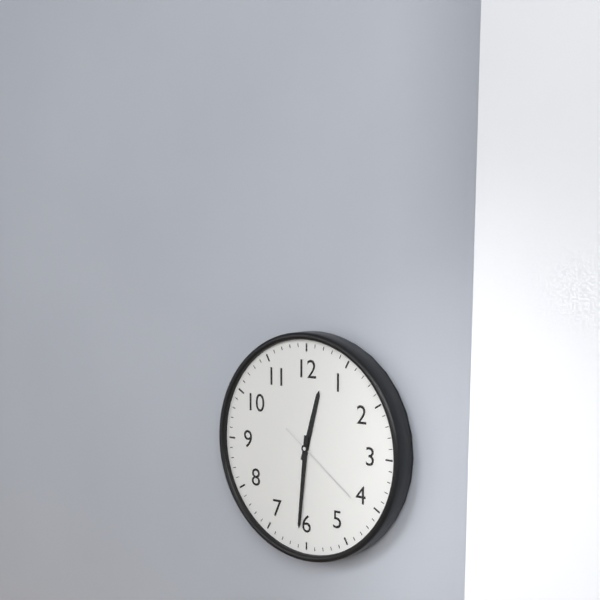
12 h 31 min 21 s
